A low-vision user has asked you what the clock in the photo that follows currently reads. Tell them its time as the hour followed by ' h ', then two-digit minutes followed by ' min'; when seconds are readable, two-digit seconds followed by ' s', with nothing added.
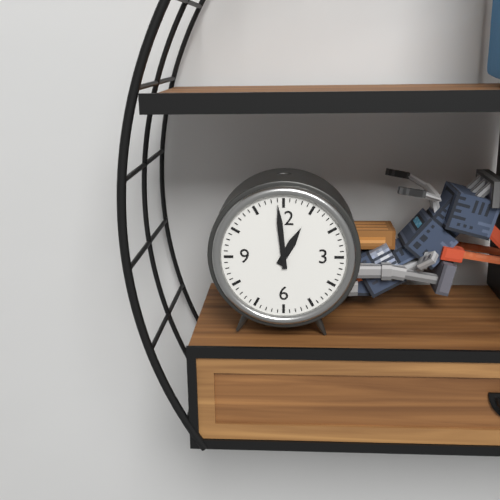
12 h 59 min
